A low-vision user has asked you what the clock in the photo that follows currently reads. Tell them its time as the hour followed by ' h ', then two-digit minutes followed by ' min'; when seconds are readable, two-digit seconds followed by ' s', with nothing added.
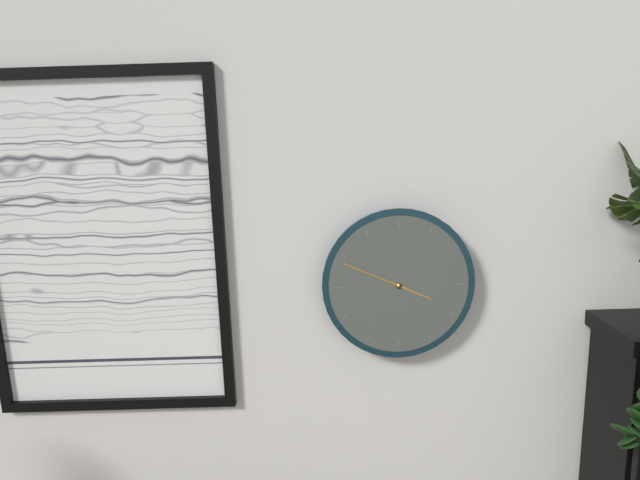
3 h 49 min
